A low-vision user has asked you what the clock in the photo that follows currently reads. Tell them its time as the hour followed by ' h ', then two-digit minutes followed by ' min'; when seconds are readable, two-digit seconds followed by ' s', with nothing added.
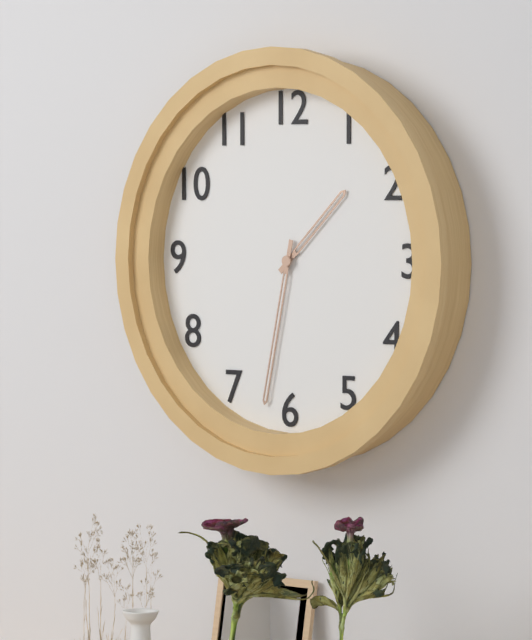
1 h 32 min
